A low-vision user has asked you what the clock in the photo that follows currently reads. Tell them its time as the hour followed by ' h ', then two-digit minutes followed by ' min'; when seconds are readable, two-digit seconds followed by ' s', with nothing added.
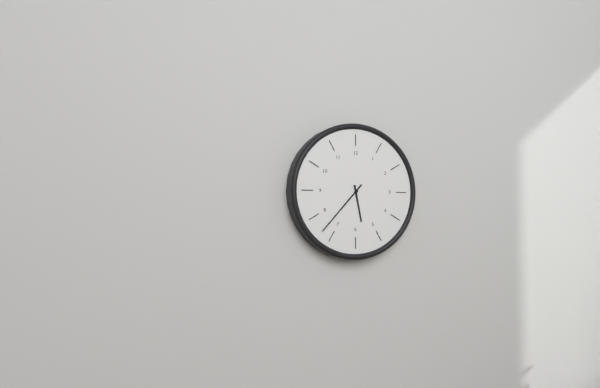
5 h 37 min
